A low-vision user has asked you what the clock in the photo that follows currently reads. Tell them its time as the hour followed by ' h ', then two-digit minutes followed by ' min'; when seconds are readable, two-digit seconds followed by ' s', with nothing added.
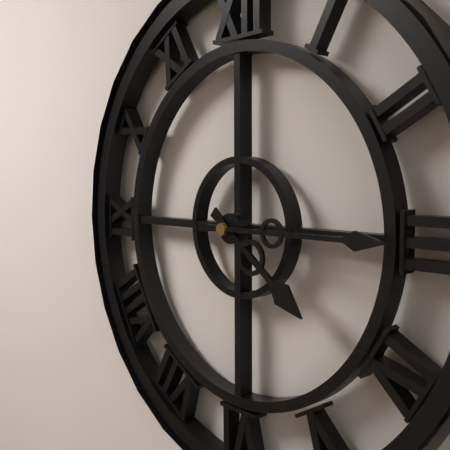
4 h 15 min
